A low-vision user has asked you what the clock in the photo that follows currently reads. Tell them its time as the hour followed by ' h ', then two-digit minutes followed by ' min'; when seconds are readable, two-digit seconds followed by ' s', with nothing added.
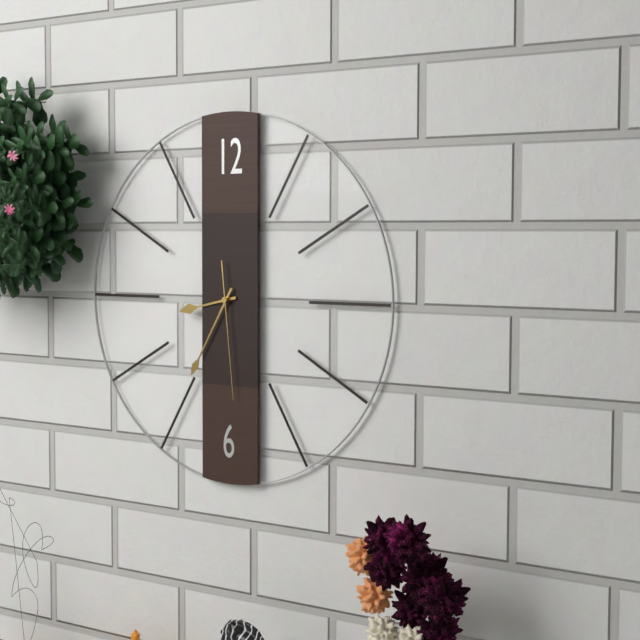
8 h 35 min 29 s
